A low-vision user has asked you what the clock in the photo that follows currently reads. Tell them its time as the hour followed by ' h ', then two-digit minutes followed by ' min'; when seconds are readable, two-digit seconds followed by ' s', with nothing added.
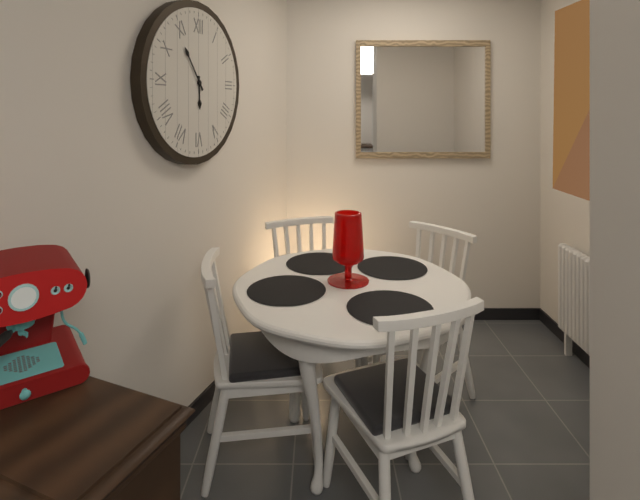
5 h 54 min
